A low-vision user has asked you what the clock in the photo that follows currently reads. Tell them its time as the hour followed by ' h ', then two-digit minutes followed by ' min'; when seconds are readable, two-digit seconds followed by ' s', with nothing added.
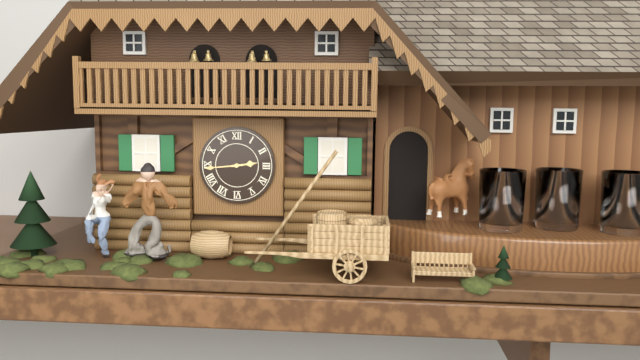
2 h 44 min
